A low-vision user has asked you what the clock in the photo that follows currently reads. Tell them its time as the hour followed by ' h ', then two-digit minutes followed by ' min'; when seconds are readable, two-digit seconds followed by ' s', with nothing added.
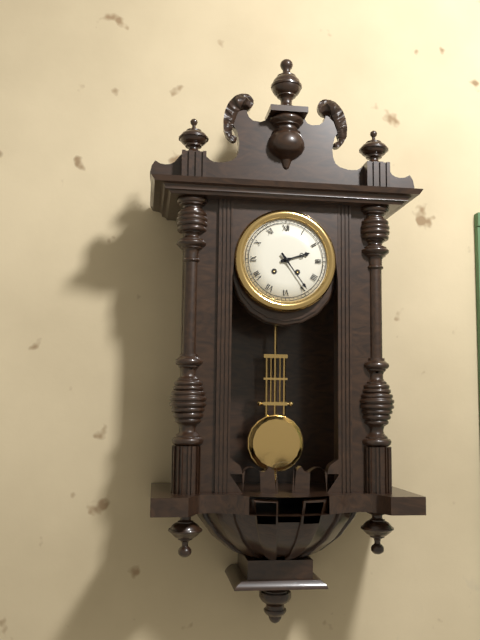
2 h 24 min
